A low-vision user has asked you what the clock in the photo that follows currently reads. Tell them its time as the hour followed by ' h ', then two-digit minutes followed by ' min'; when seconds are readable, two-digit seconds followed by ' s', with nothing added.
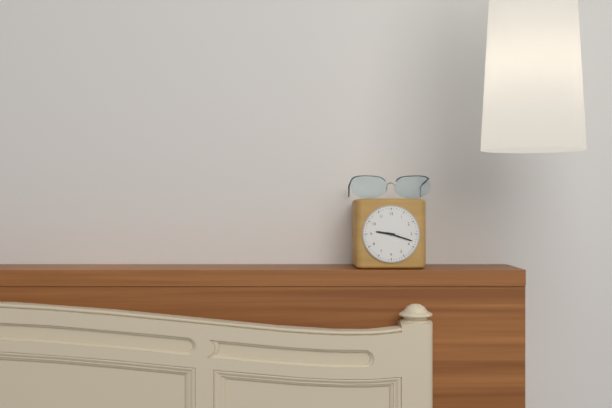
9 h 18 min
